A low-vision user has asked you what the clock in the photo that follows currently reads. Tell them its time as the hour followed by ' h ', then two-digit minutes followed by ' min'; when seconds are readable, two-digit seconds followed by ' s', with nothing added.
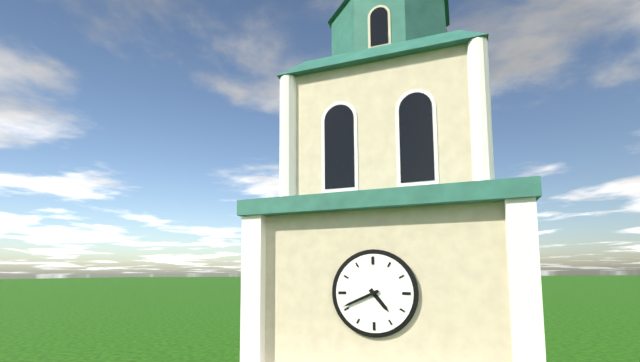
4 h 41 min
